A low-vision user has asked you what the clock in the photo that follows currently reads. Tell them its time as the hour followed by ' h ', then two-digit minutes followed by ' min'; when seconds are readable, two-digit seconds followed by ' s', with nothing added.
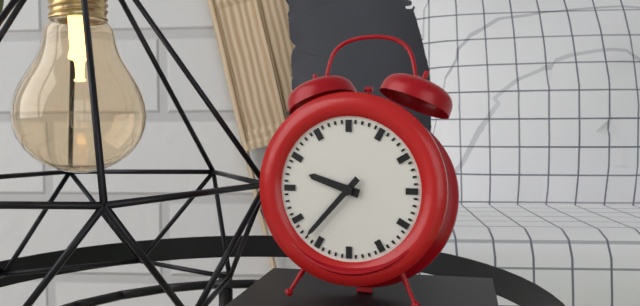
9 h 37 min
